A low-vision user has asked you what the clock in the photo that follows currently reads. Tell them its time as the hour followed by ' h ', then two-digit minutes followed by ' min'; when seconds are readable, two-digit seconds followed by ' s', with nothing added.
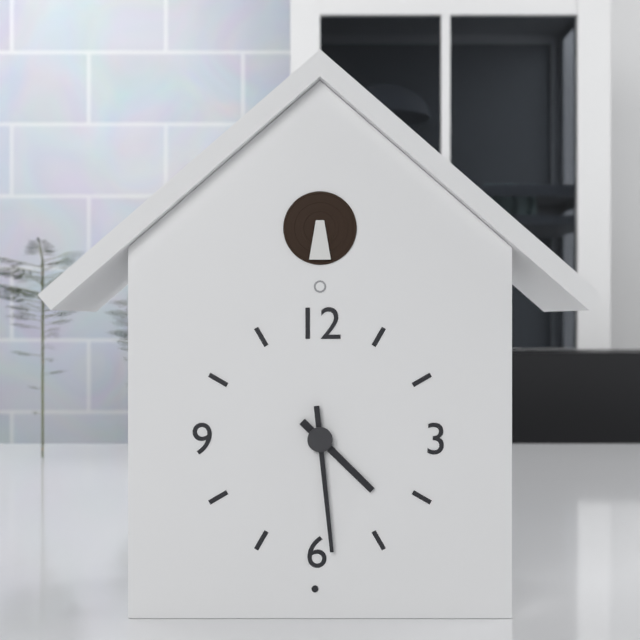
4 h 29 min
